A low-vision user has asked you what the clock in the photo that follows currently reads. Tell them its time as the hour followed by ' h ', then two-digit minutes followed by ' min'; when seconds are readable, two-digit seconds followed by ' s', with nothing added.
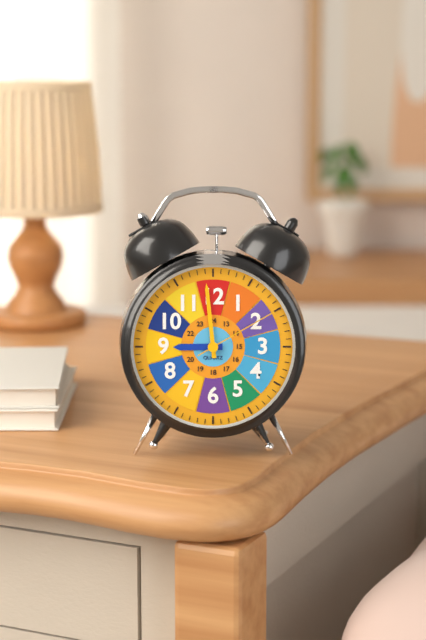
8 h 59 min 10 s
